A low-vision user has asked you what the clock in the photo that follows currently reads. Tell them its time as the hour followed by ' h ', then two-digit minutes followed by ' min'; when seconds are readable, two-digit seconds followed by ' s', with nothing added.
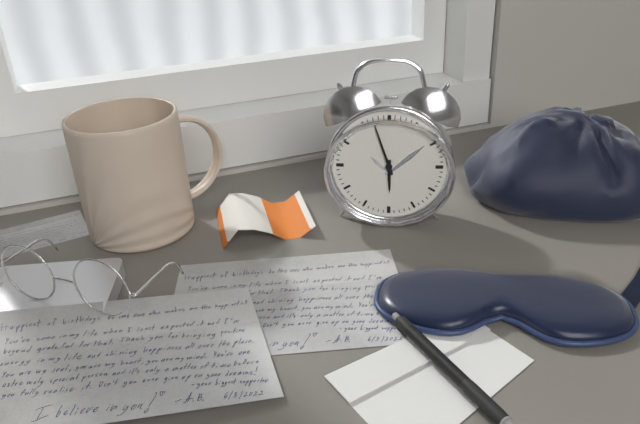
5 h 57 min
